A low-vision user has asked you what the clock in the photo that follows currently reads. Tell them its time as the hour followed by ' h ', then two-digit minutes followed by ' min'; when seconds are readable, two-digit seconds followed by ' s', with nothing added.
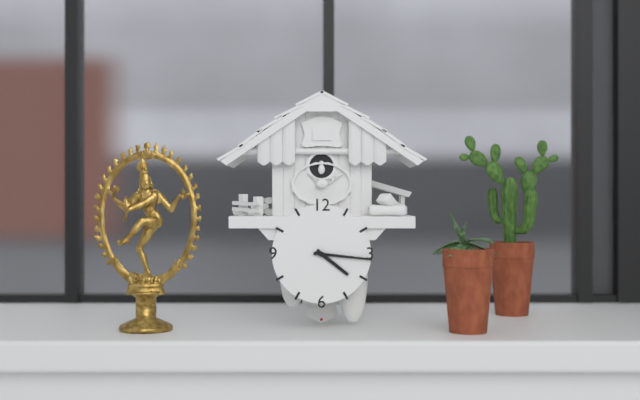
4 h 16 min
